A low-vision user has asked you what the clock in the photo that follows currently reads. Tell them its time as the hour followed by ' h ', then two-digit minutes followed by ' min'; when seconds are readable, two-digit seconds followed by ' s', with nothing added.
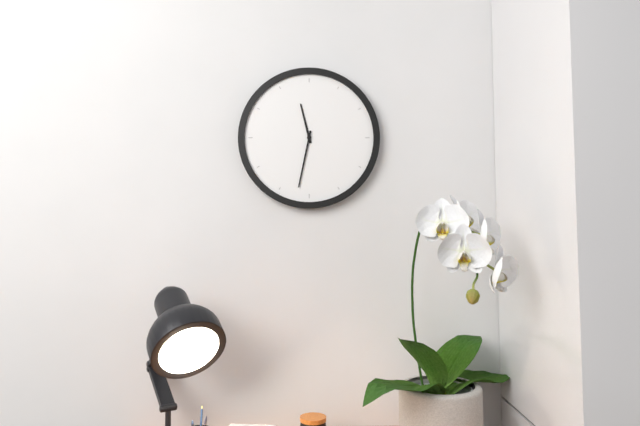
11 h 32 min
